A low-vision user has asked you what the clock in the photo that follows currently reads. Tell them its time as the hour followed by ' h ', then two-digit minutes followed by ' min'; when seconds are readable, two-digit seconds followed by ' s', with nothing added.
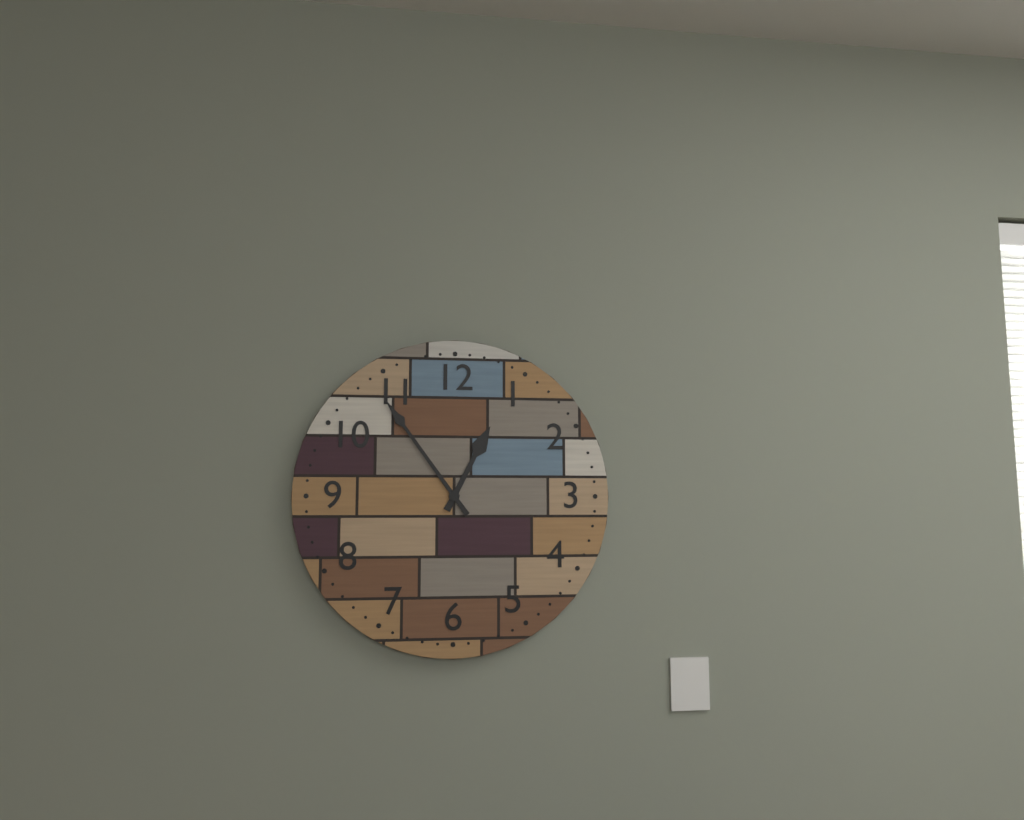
12 h 54 min
